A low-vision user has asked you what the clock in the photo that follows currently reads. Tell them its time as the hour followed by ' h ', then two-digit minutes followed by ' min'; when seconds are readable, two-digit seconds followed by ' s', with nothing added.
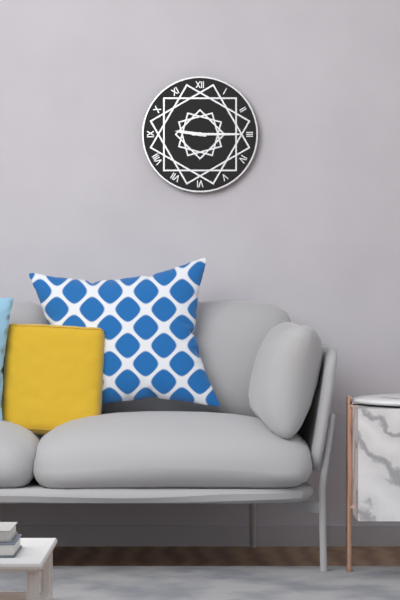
9 h 15 min
